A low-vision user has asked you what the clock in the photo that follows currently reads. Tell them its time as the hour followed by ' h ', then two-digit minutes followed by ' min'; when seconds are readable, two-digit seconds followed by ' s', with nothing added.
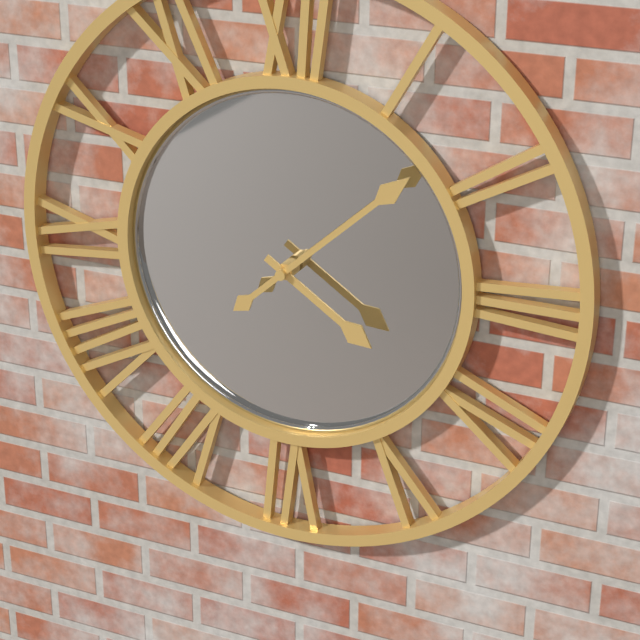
4 h 08 min
